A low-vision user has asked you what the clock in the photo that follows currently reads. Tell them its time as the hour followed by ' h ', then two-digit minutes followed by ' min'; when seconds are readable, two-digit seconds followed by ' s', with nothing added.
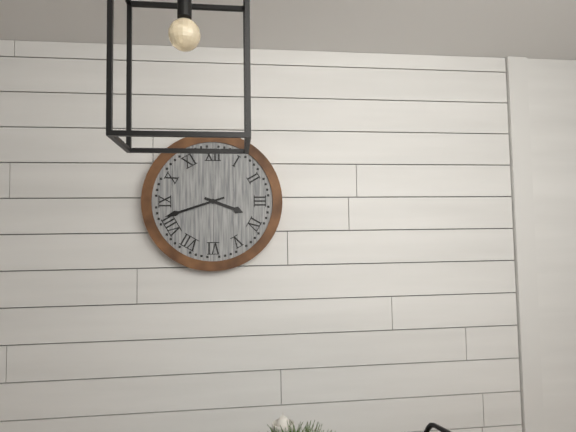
3 h 42 min
